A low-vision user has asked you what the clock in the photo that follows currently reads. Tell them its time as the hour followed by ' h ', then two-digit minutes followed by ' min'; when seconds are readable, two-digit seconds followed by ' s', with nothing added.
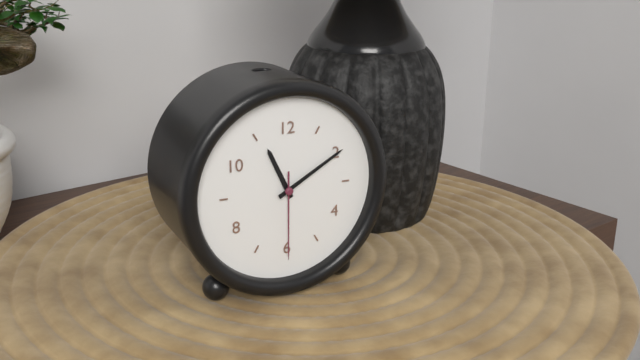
11 h 10 min 30 s
